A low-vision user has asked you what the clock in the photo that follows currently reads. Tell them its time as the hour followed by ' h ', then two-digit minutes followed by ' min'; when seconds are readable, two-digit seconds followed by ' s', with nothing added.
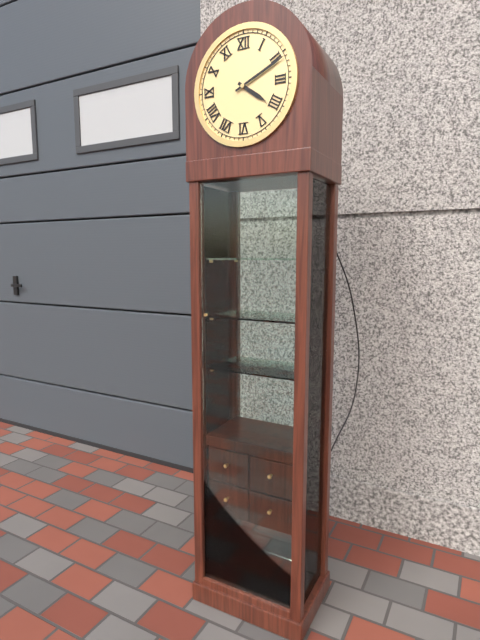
4 h 11 min
